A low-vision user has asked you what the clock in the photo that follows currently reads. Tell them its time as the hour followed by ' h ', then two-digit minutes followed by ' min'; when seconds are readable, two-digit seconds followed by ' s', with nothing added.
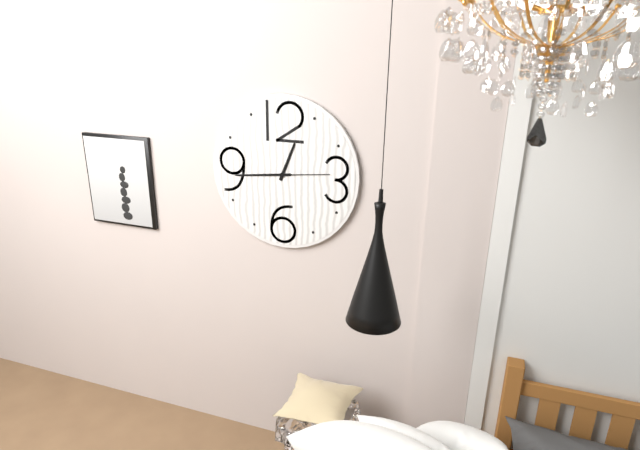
12 h 44 min 14 s
